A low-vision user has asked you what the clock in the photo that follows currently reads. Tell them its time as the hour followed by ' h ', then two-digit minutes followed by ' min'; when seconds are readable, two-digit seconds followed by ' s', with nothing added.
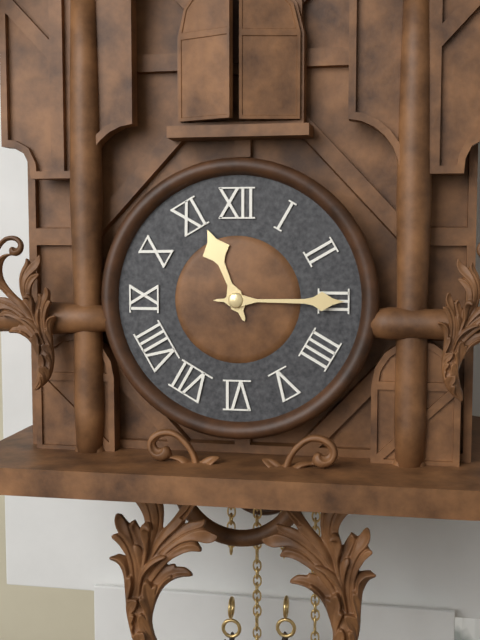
11 h 15 min
